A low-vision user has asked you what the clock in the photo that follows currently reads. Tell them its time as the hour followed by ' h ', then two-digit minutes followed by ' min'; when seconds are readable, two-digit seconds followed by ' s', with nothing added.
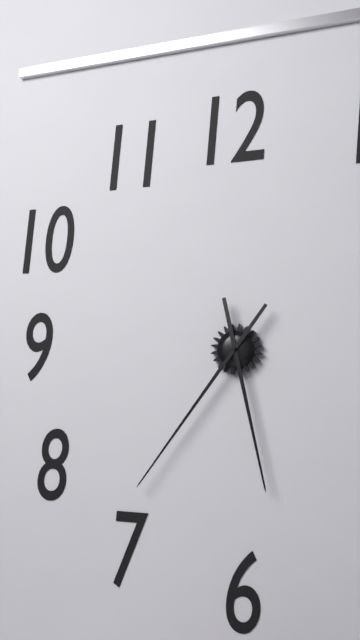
5 h 36 min
